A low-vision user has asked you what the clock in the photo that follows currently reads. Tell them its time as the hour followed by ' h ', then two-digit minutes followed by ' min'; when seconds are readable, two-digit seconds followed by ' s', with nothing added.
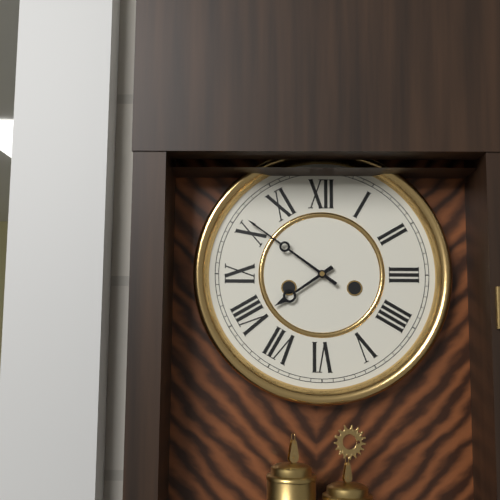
7 h 51 min
